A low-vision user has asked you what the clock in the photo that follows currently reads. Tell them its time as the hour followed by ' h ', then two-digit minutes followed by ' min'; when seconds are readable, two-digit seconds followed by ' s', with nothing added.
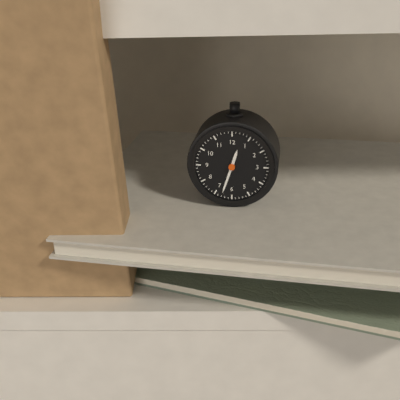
12 h 33 min
